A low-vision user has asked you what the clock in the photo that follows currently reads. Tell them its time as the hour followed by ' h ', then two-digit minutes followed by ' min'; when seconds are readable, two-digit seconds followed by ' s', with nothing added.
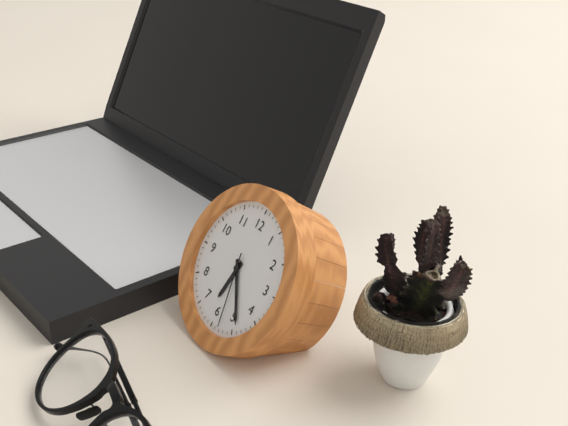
6 h 24 min 28 s
